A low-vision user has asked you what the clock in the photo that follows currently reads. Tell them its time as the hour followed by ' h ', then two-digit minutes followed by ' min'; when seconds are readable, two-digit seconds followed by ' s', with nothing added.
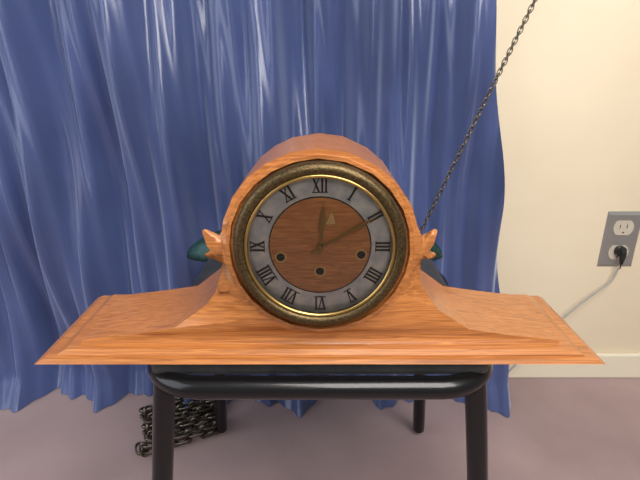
12 h 10 min
